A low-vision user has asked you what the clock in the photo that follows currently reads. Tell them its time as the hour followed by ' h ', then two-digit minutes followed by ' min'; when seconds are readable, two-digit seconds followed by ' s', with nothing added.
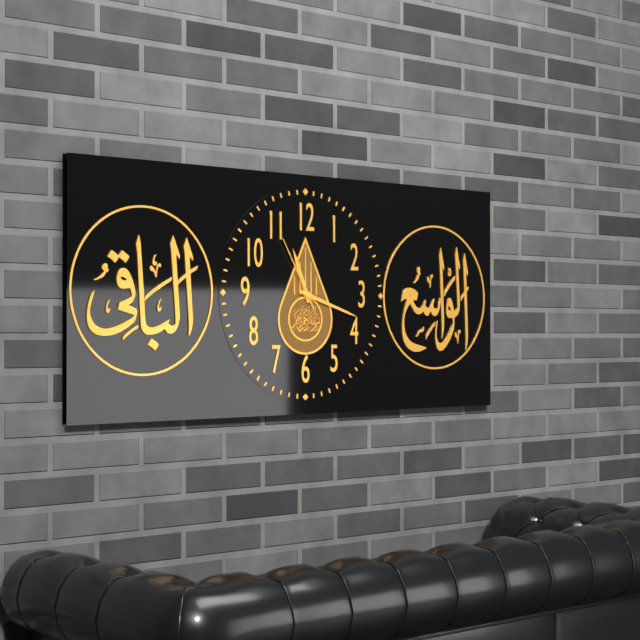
11 h 18 min 55 s
